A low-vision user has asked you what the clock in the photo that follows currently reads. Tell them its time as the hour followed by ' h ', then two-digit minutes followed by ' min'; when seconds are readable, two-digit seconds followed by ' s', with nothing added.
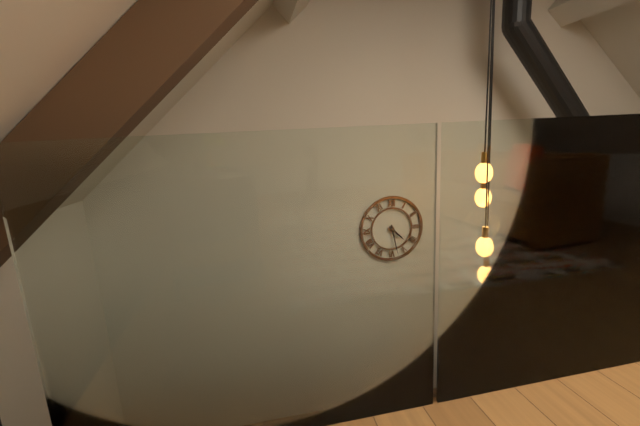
4 h 28 min
